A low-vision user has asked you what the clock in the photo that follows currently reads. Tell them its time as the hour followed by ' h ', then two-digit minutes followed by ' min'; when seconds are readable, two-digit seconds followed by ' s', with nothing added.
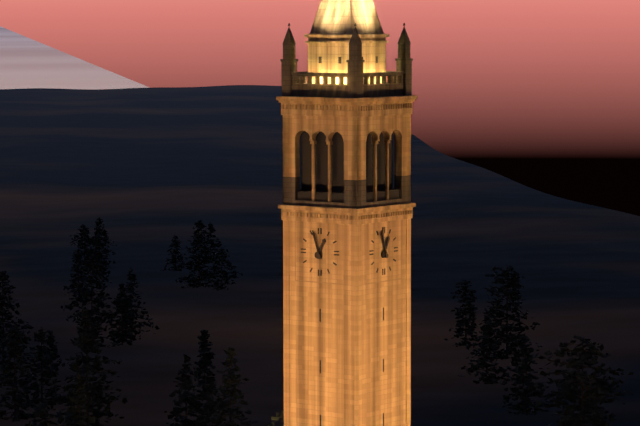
12 h 57 min
